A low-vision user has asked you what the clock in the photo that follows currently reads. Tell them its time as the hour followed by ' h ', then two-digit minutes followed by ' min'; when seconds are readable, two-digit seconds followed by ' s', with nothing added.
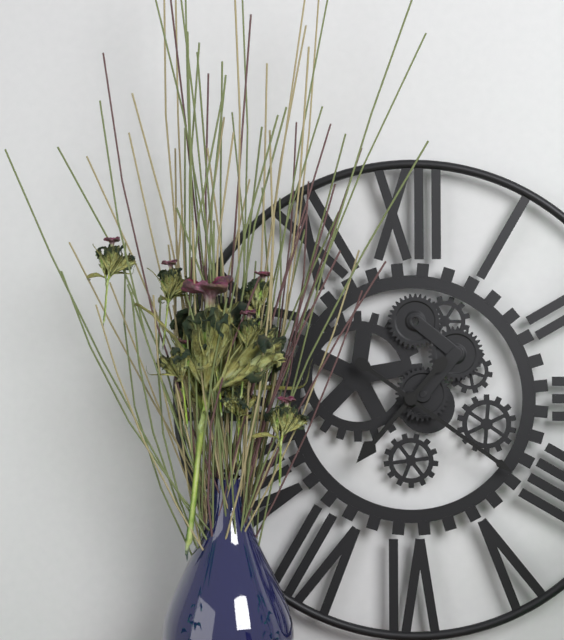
7 h 21 min
